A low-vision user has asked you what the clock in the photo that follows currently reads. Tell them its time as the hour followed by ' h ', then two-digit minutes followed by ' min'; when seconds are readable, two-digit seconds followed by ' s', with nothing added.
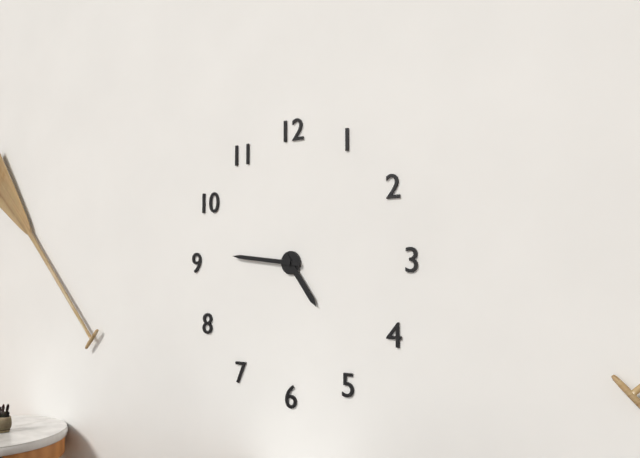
4 h 46 min
